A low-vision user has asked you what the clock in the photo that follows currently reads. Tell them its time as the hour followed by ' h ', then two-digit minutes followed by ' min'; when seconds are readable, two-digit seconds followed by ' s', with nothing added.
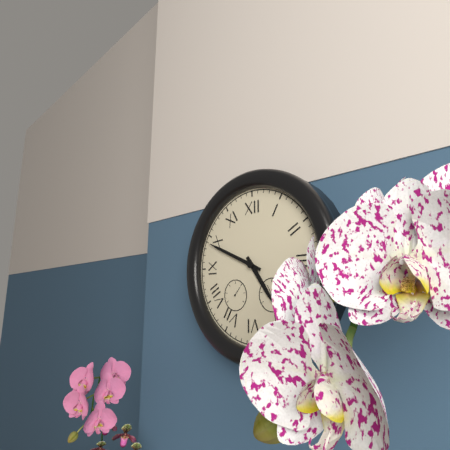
4 h 49 min
